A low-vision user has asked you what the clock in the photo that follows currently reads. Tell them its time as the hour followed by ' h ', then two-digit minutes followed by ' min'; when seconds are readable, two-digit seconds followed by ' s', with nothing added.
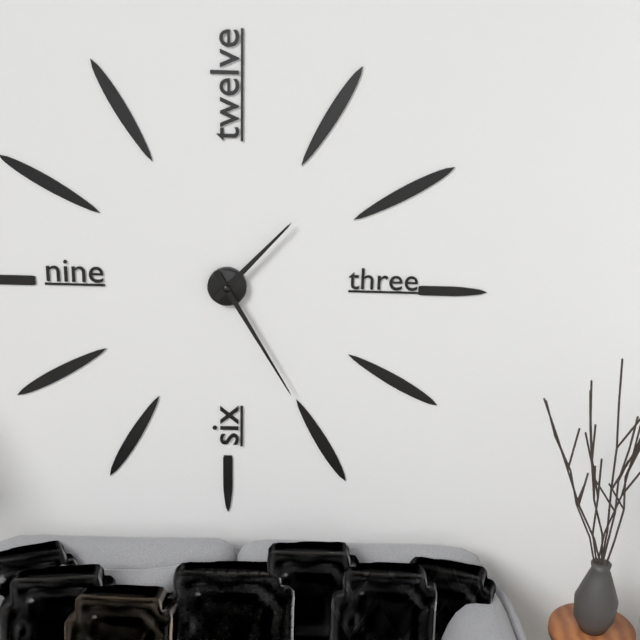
1 h 25 min
